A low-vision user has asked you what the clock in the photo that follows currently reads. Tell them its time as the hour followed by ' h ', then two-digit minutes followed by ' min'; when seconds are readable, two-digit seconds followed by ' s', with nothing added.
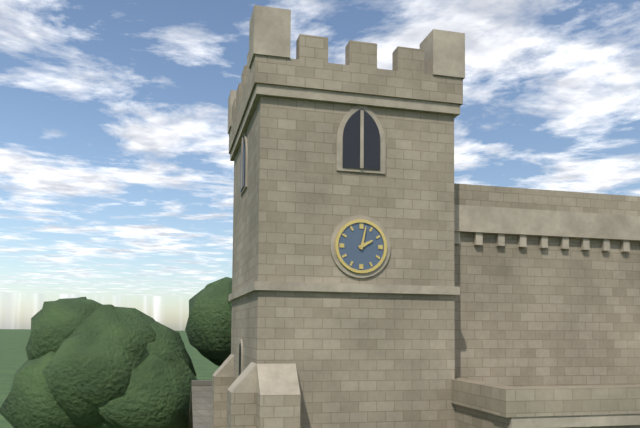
2 h 02 min
